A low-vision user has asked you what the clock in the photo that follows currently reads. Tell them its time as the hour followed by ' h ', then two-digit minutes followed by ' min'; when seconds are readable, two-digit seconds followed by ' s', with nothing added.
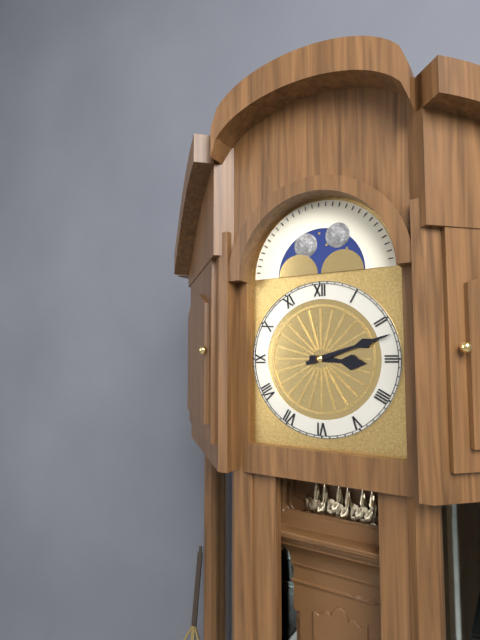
3 h 12 min
